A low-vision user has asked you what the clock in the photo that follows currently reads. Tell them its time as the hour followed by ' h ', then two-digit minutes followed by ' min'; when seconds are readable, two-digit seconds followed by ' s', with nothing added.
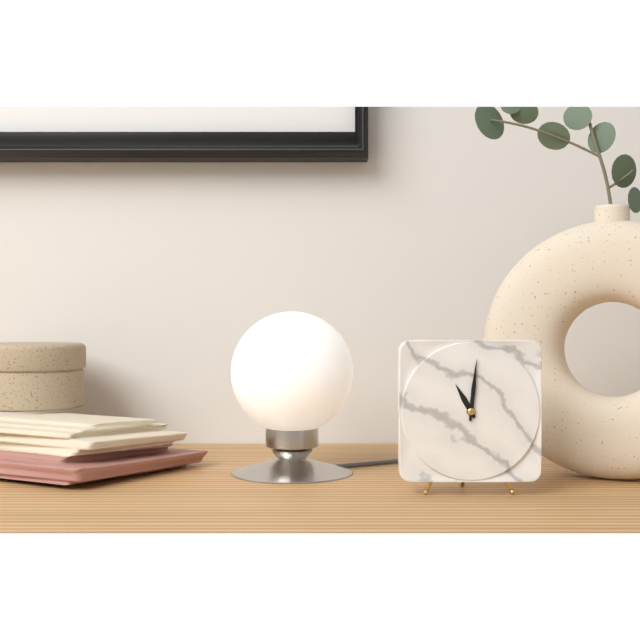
11 h 01 min
